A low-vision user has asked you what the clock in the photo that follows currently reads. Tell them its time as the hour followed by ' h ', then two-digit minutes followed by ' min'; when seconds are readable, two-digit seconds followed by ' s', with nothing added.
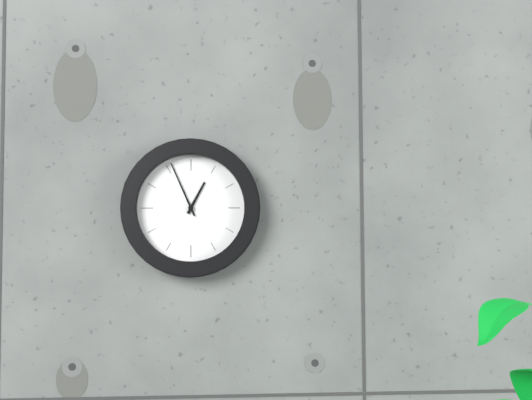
12 h 56 min
